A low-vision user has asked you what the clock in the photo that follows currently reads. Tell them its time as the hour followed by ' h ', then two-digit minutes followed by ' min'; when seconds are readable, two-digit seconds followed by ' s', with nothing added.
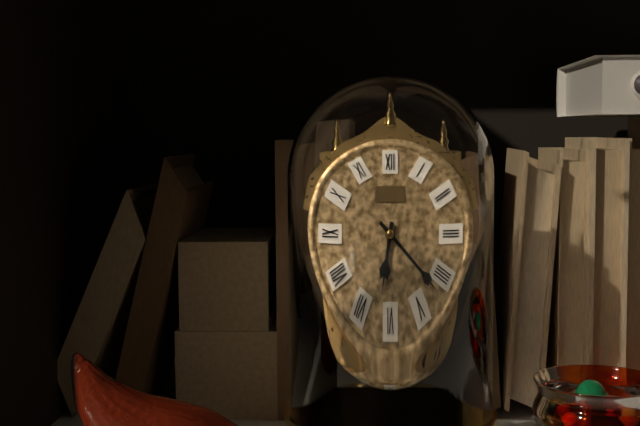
6 h 22 min
